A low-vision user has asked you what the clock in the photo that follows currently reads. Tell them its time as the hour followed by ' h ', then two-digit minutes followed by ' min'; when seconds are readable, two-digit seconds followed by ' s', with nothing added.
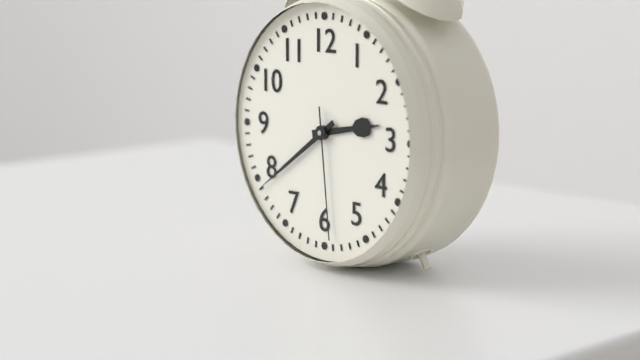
2 h 39 min 29 s
